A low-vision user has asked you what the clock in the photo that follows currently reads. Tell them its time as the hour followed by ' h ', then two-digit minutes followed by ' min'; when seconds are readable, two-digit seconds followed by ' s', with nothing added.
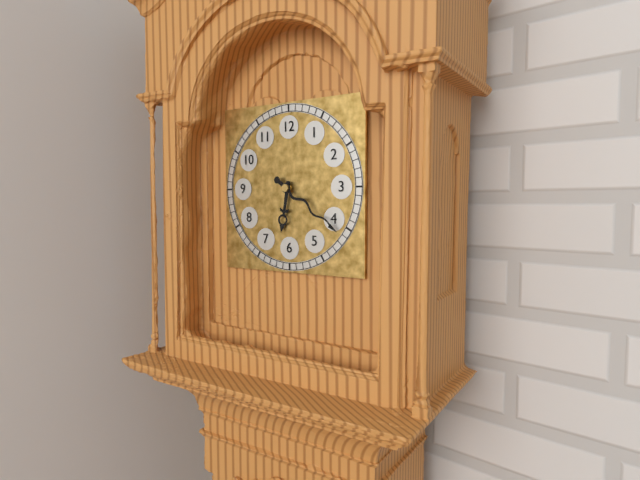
6 h 21 min
